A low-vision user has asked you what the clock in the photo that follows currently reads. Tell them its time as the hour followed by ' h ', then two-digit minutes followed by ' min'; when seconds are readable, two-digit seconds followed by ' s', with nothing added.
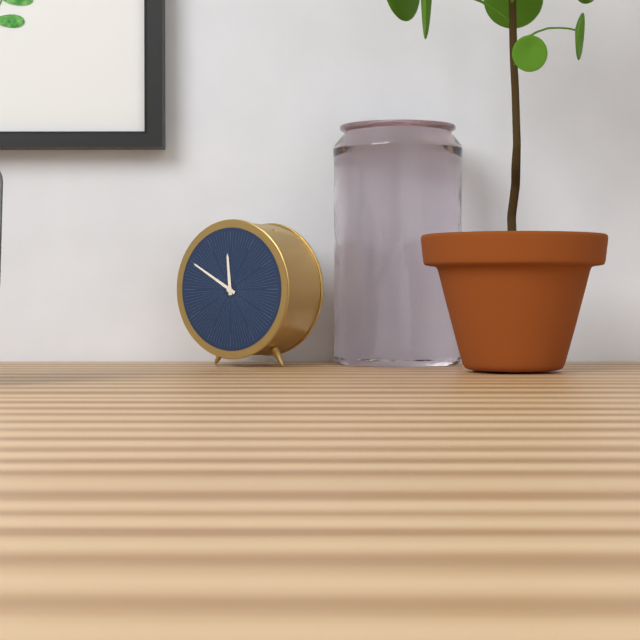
11 h 50 min
